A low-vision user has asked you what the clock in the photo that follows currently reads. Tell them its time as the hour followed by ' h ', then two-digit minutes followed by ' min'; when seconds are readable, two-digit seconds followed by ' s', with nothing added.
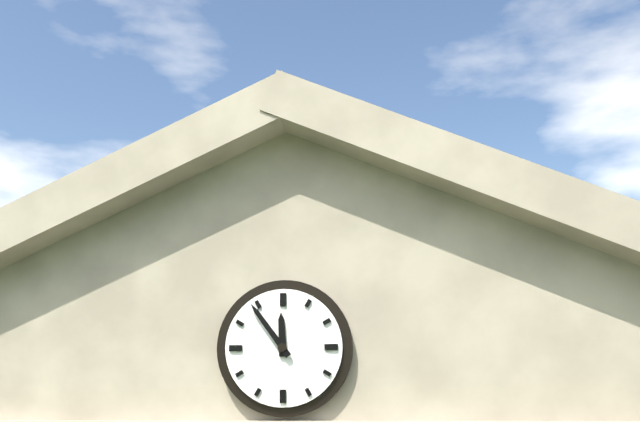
11 h 54 min
